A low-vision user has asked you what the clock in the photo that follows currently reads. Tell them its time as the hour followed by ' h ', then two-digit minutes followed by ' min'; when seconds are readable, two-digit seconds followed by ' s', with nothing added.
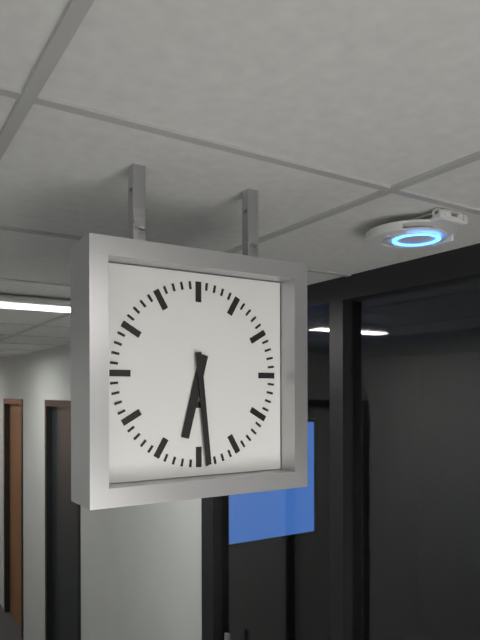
6 h 29 min
